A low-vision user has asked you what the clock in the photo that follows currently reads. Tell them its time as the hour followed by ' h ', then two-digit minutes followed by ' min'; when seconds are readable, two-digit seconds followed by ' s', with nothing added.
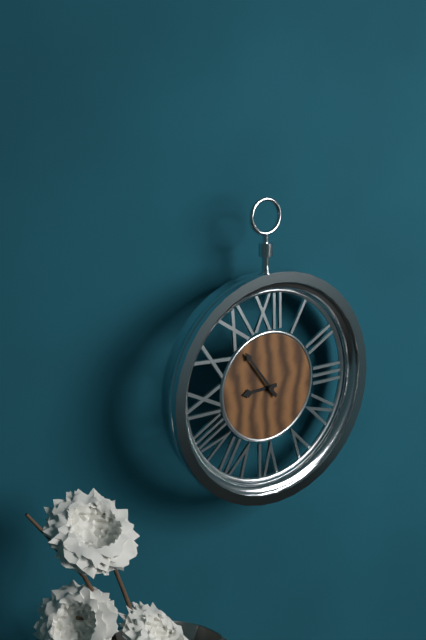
8 h 54 min
